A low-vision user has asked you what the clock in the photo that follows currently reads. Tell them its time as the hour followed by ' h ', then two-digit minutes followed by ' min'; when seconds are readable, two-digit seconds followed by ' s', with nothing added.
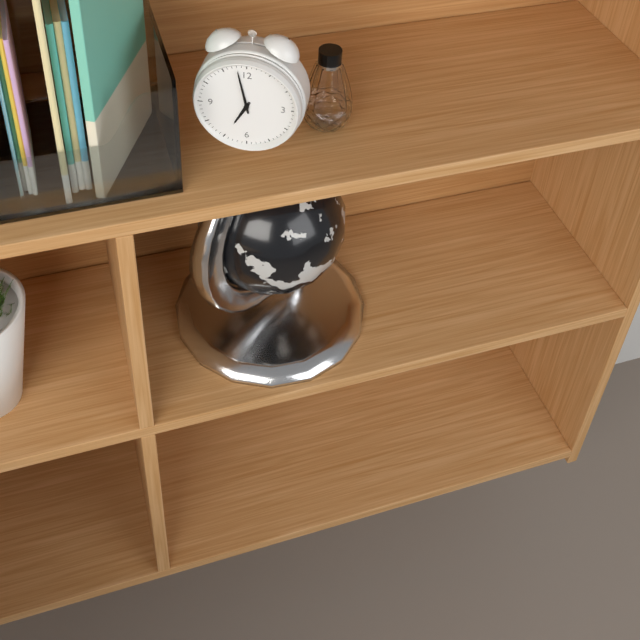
6 h 58 min
